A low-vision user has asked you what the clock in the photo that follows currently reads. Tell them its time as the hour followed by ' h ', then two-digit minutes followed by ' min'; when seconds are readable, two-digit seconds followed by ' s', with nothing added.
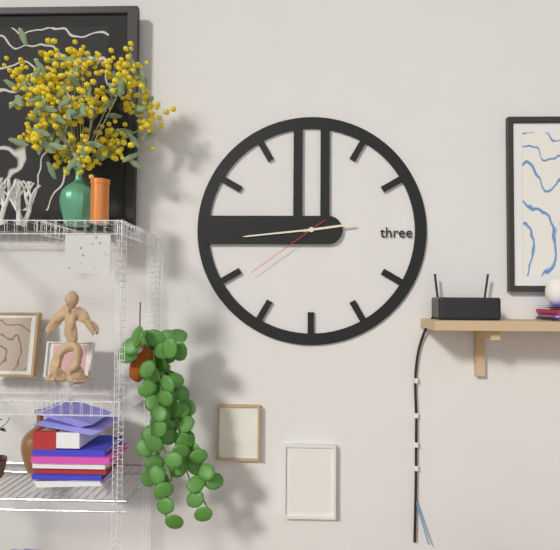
2 h 44 min 39 s
